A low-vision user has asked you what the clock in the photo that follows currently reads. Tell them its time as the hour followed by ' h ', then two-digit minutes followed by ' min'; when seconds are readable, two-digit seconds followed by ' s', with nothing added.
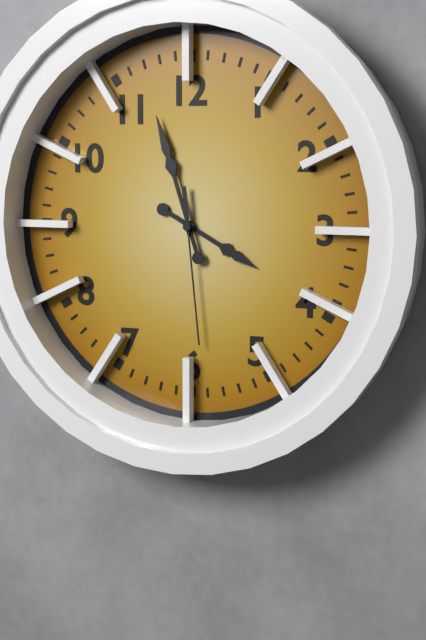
3 h 57 min 29 s
